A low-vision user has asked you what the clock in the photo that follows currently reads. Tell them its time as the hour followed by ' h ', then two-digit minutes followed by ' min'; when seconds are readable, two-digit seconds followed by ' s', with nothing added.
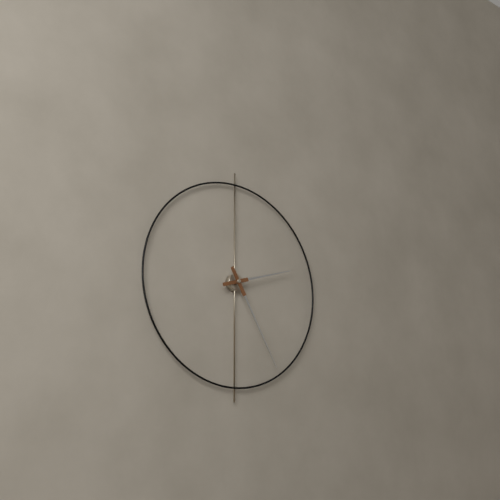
2 h 25 min
